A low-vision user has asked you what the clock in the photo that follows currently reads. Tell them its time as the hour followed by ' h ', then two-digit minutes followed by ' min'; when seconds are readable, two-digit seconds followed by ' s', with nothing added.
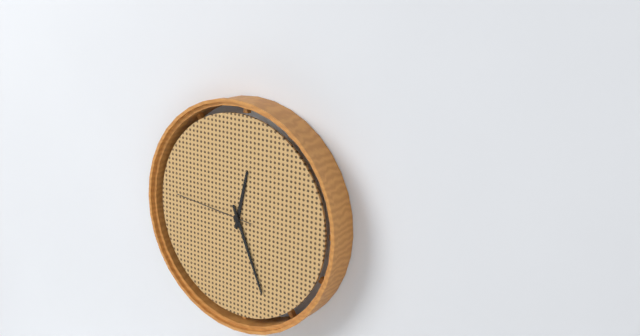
12 h 26 min 46 s
